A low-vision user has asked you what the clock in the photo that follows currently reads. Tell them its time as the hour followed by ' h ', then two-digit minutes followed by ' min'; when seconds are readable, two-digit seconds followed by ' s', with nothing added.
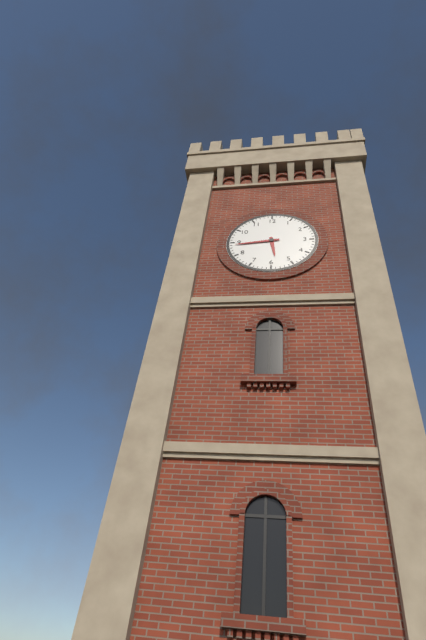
5 h 44 min
